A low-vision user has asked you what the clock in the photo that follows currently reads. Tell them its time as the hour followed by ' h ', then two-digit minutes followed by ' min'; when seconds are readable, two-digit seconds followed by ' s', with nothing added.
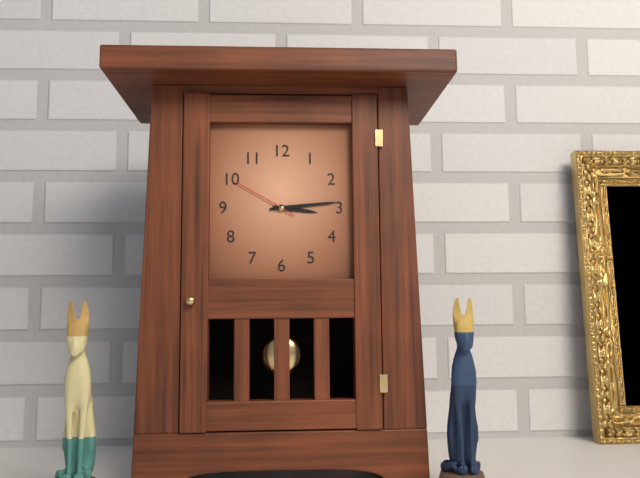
3 h 14 min 50 s
